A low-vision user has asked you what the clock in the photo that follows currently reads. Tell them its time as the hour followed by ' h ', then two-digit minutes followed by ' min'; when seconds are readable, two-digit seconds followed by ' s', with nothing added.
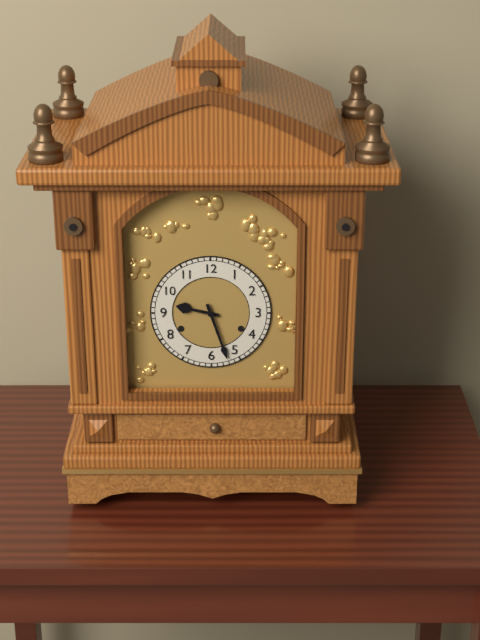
9 h 27 min
